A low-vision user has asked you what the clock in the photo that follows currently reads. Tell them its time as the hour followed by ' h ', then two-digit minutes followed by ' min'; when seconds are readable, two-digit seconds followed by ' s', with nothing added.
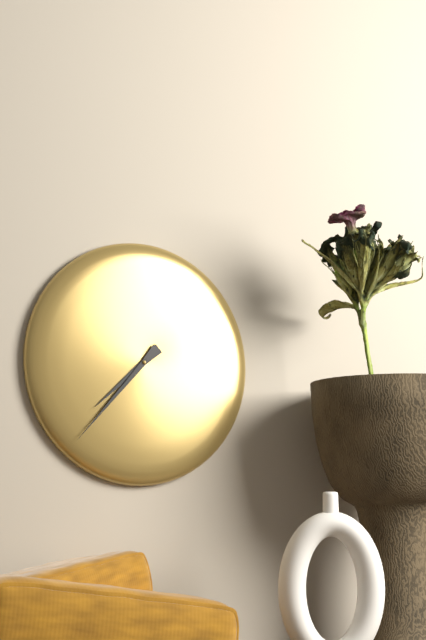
7 h 37 min
